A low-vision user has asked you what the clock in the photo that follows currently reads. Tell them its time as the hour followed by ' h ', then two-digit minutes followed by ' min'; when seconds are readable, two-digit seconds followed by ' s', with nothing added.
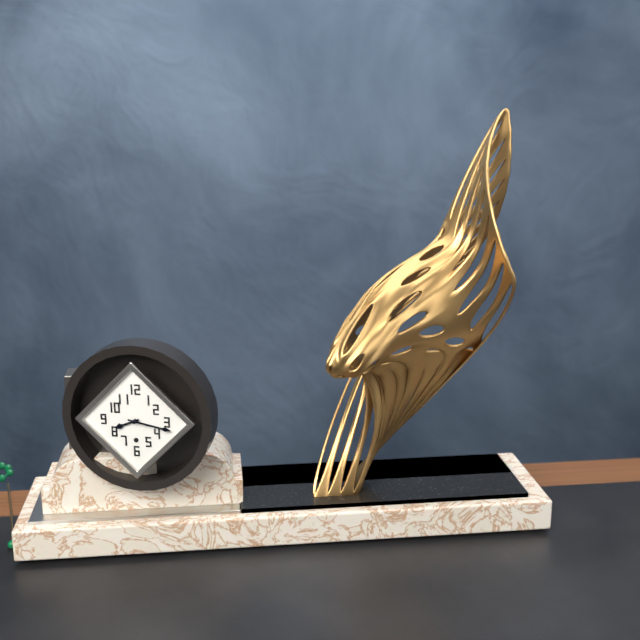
8 h 17 min
